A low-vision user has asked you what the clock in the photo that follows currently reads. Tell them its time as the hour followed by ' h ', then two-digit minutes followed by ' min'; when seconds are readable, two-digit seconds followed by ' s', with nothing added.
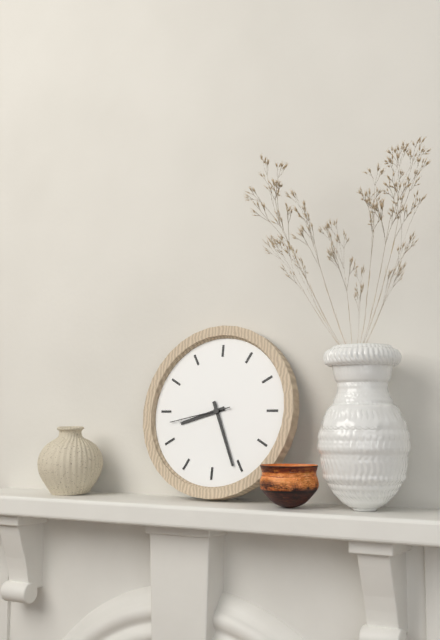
8 h 26 min 43 s
